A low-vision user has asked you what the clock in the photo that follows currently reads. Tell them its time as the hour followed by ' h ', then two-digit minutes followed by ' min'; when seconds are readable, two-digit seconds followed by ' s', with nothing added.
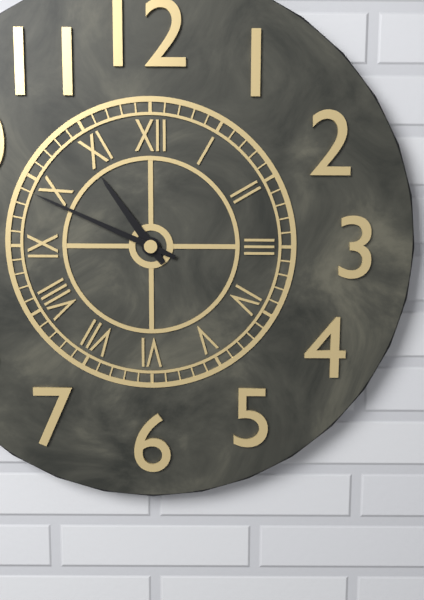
10 h 49 min
